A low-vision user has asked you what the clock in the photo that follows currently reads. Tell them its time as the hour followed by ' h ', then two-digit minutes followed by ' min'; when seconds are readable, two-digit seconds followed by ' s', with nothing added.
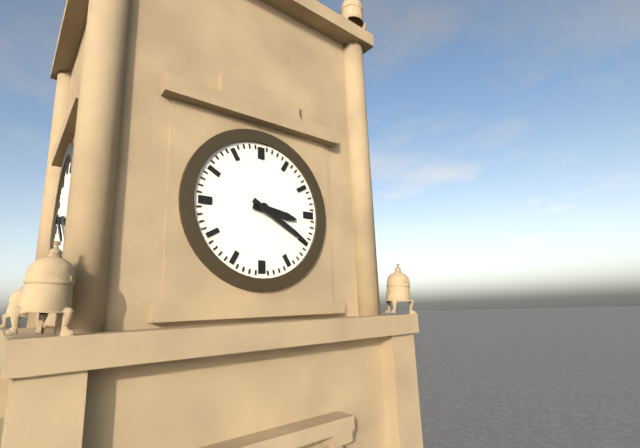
3 h 20 min
